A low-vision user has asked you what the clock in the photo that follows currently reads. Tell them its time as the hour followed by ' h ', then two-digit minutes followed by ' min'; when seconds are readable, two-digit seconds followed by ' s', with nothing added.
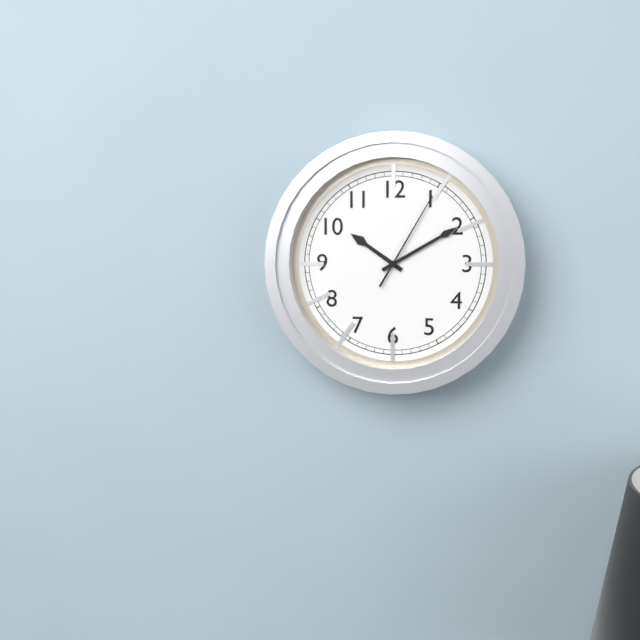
10 h 10 min 05 s
